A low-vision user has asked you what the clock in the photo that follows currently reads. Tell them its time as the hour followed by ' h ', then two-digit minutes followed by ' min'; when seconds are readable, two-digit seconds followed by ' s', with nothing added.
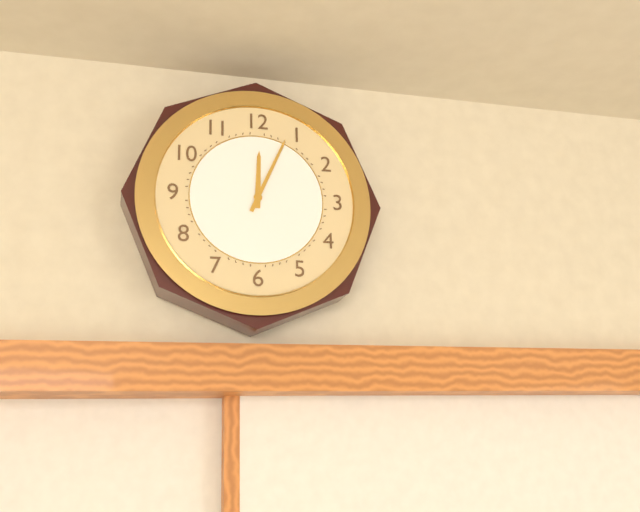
12 h 04 min
